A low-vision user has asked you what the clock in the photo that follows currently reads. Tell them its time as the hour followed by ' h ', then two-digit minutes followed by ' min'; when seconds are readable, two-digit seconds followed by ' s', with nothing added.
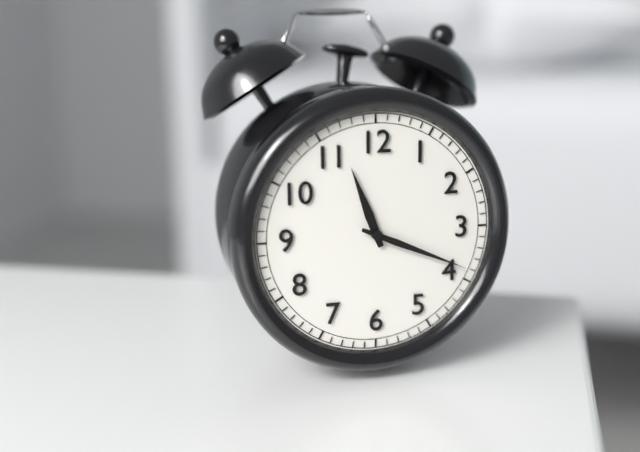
11 h 19 min
